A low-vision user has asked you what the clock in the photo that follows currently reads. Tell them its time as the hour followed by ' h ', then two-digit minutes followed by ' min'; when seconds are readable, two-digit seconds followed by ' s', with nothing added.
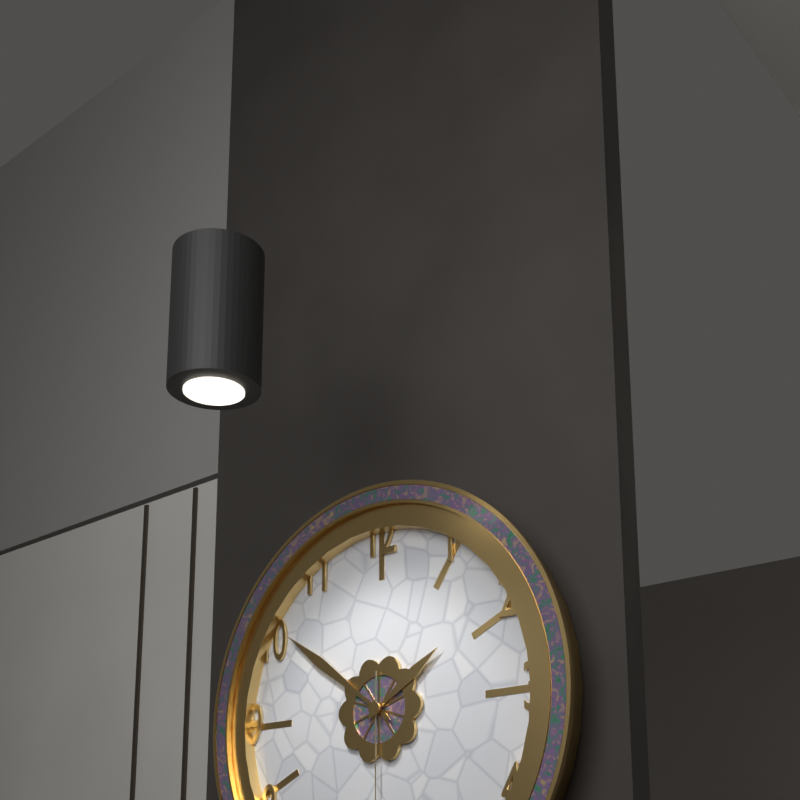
1 h 51 min
